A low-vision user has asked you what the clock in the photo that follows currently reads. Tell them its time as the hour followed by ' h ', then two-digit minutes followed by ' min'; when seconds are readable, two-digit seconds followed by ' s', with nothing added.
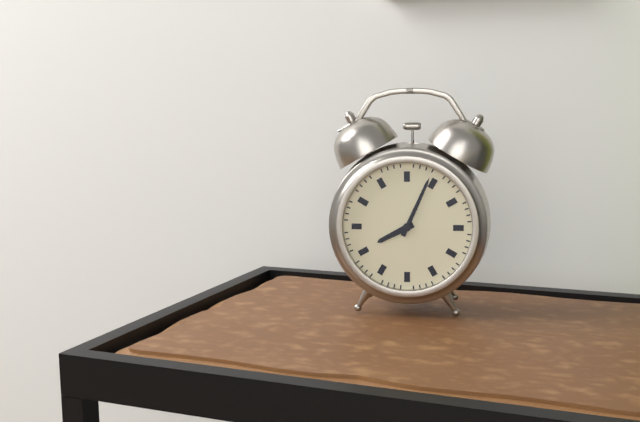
8 h 04 min
